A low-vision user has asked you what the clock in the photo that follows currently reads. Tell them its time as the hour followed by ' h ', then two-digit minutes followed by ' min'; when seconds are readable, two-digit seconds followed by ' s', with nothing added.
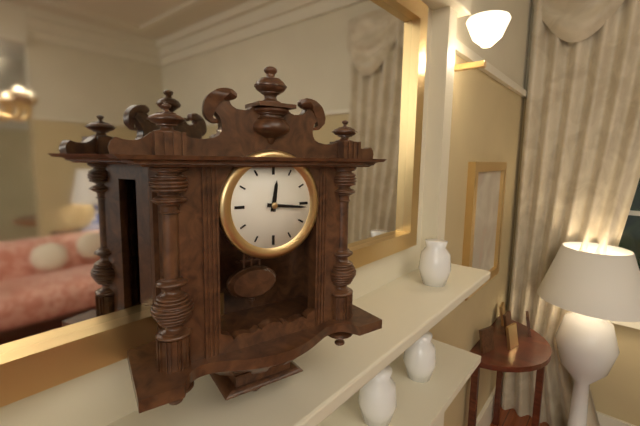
12 h 16 min
